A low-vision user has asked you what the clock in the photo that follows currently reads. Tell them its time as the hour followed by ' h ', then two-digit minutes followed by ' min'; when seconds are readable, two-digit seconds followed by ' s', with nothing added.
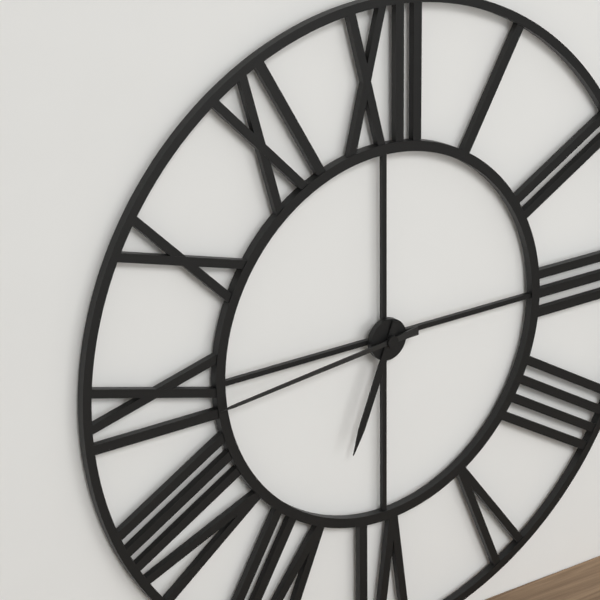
6 h 44 min
